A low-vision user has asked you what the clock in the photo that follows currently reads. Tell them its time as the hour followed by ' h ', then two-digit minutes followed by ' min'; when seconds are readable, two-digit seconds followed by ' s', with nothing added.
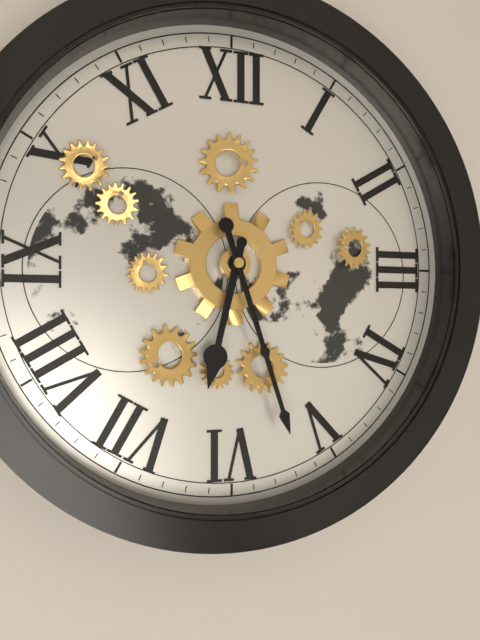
6 h 27 min
